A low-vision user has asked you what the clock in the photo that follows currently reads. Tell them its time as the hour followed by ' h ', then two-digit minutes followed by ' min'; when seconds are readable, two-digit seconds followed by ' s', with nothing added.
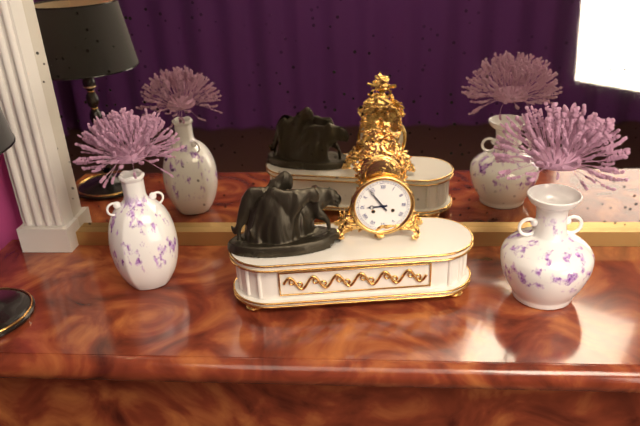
8 h 54 min
